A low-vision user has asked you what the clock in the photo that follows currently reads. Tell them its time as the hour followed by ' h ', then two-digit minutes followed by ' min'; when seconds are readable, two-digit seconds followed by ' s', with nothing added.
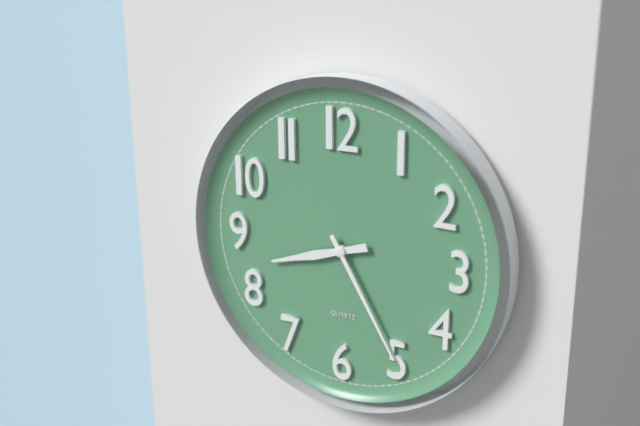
8 h 25 min
